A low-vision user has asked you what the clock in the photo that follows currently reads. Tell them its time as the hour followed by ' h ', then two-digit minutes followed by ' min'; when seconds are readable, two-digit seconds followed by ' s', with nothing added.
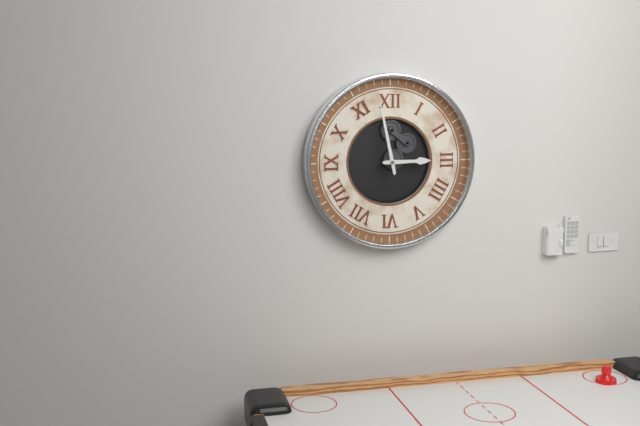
2 h 58 min
